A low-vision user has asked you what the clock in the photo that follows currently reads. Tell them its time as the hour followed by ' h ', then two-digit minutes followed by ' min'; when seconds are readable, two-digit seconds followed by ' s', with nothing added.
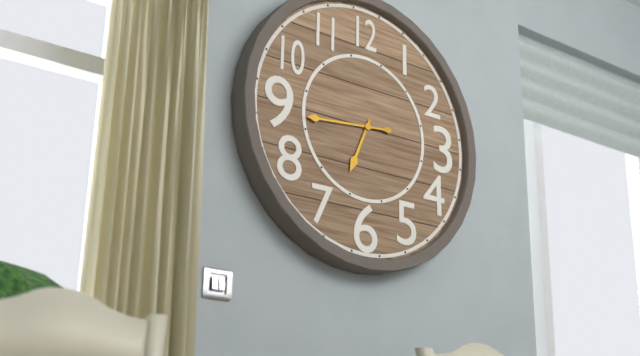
6 h 44 min
